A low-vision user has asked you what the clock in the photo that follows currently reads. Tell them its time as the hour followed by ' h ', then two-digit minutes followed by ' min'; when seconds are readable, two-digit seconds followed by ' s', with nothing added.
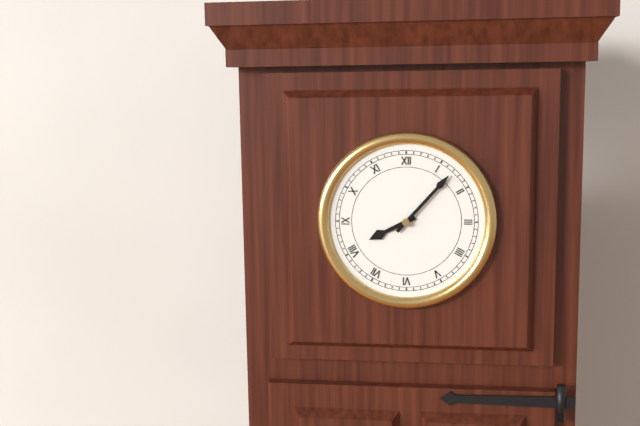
8 h 07 min
